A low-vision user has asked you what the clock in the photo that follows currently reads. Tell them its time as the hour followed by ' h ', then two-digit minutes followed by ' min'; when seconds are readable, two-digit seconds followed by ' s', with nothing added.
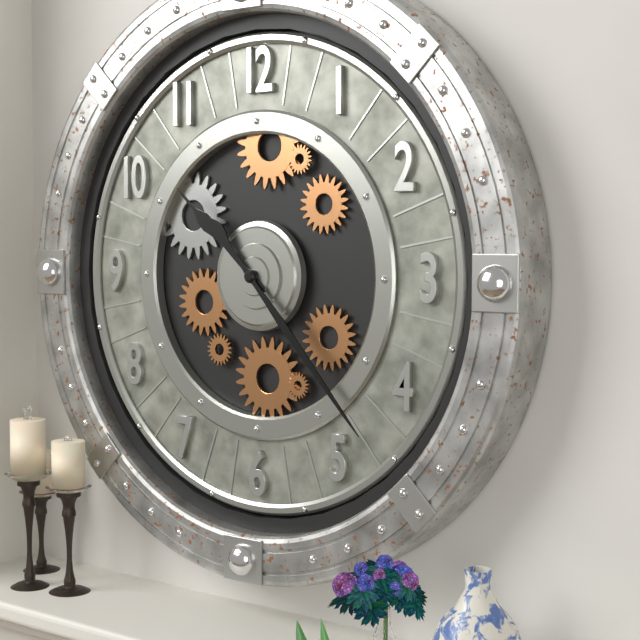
10 h 23 min
